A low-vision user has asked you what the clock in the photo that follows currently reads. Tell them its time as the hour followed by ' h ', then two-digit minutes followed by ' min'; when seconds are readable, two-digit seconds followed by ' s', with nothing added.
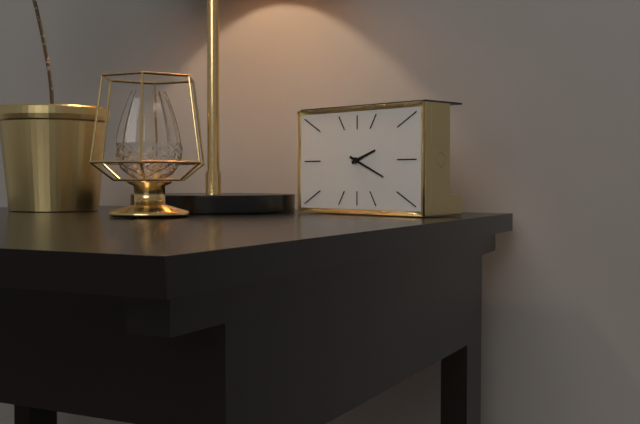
2 h 19 min
